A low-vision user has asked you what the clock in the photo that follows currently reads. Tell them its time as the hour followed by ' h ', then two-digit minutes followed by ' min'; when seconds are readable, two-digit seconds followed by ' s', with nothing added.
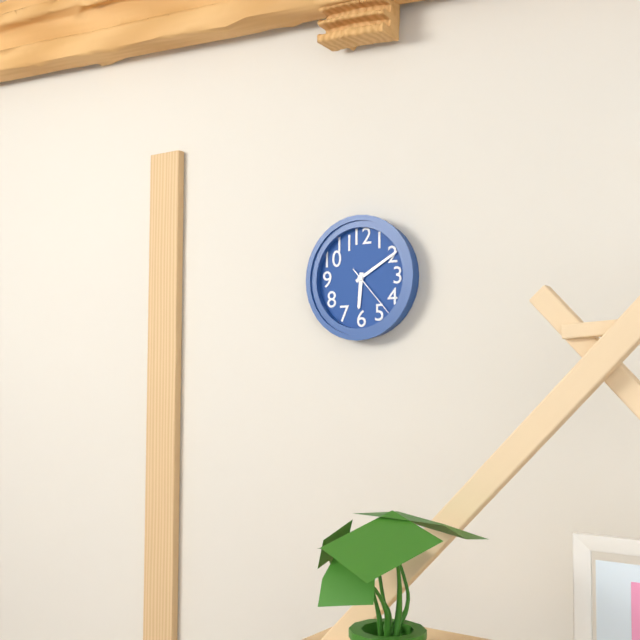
6 h 10 min 23 s
